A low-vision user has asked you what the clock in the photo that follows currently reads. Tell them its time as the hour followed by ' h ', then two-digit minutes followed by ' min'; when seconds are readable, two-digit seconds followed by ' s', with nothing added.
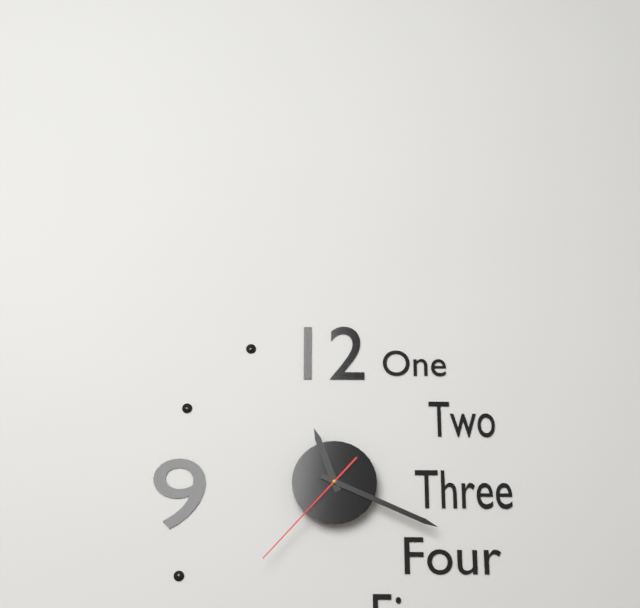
11 h 19 min 37 s
